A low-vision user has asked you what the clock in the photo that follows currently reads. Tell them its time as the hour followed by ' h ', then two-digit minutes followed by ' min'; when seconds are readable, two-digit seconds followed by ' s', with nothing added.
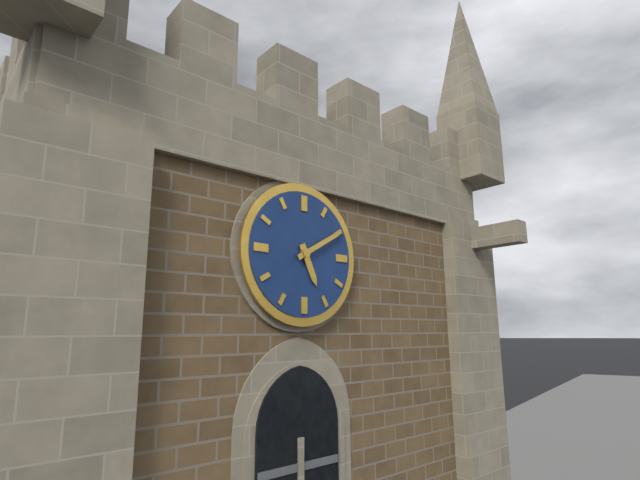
5 h 10 min
